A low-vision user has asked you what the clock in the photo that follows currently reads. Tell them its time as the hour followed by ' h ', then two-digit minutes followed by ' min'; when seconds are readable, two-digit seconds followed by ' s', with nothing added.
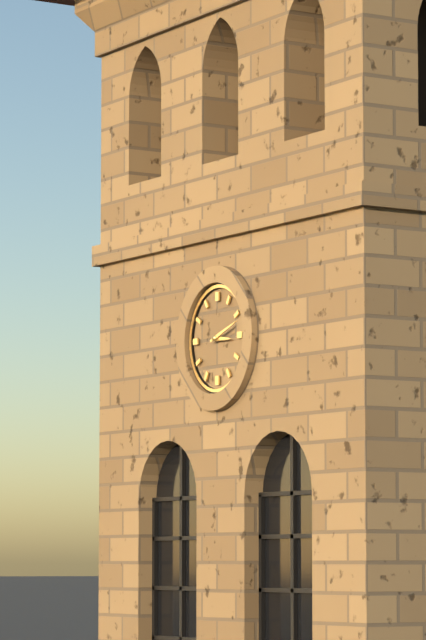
3 h 12 min
